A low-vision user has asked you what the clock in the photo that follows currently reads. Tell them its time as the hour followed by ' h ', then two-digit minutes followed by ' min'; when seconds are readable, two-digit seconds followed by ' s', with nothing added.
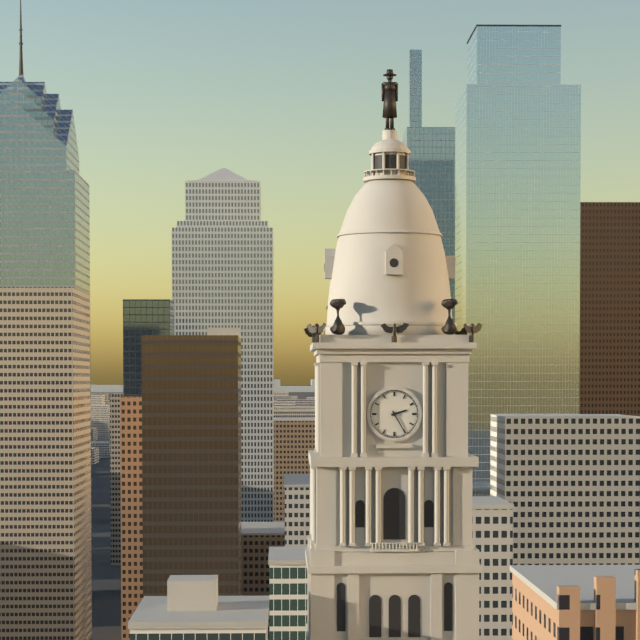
2 h 25 min
